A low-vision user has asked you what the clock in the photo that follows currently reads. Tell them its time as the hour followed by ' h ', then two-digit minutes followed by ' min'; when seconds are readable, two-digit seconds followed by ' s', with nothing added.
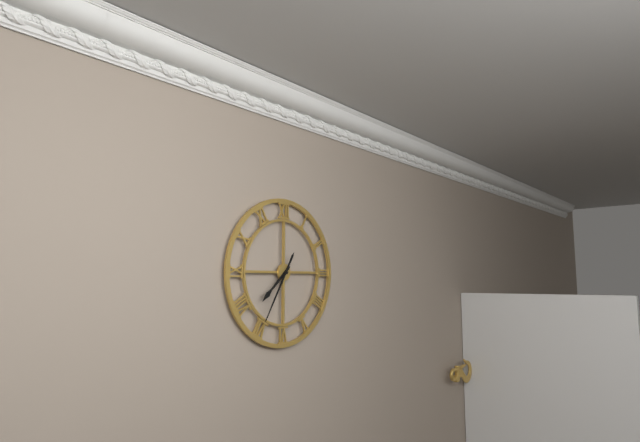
7 h 35 min
